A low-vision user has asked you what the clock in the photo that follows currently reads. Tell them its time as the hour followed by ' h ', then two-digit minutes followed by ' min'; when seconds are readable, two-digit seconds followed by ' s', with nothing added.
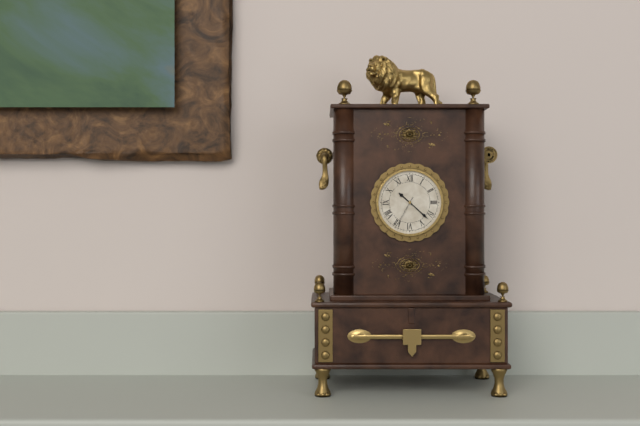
10 h 22 min
